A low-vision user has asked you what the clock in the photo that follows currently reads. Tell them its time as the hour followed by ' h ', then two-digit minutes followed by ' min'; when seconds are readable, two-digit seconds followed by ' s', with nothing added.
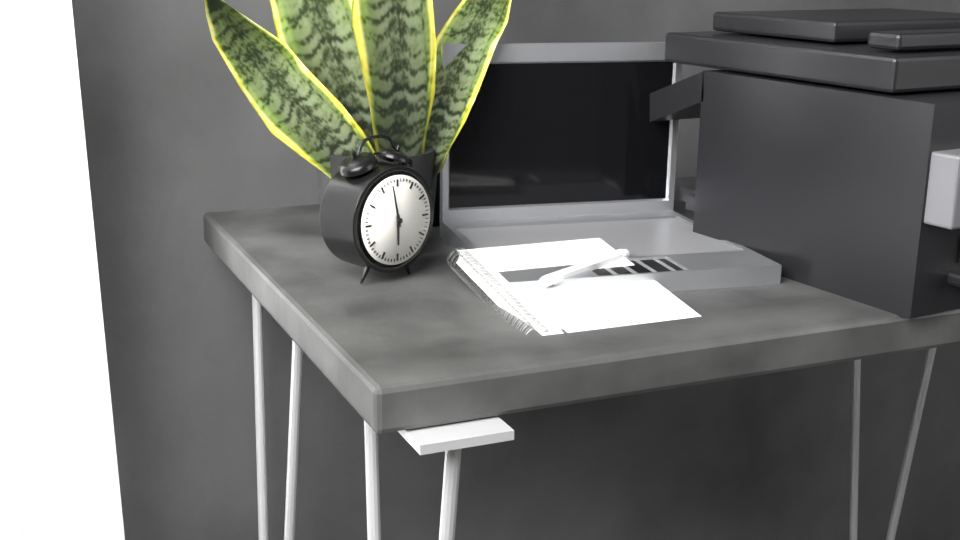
5 h 58 min
